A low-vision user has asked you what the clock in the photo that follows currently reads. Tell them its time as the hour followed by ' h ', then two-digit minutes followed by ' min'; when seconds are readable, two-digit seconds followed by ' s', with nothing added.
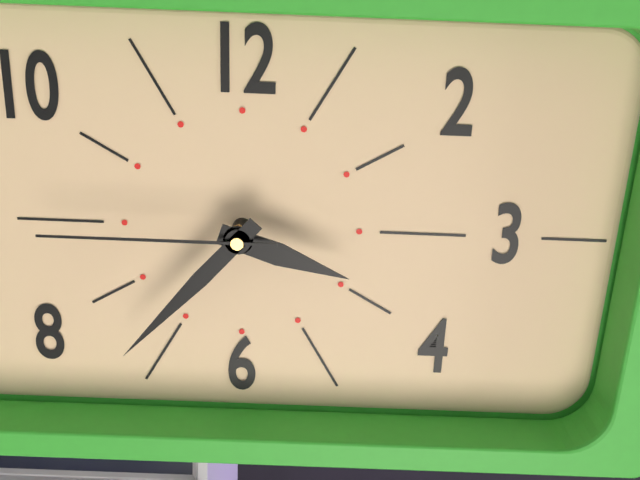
3 h 37 min 45 s
